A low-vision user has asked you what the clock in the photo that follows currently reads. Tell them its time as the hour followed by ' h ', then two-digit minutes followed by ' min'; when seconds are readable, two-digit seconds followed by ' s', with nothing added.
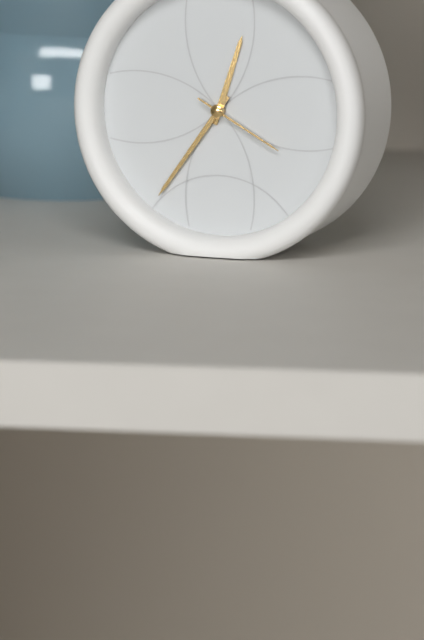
12 h 36 min 20 s
